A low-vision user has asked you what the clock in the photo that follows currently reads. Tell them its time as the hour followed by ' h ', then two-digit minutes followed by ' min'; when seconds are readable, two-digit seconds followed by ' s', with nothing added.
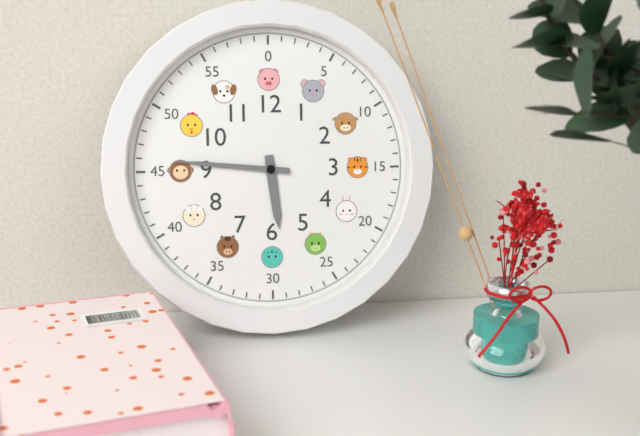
5 h 46 min
